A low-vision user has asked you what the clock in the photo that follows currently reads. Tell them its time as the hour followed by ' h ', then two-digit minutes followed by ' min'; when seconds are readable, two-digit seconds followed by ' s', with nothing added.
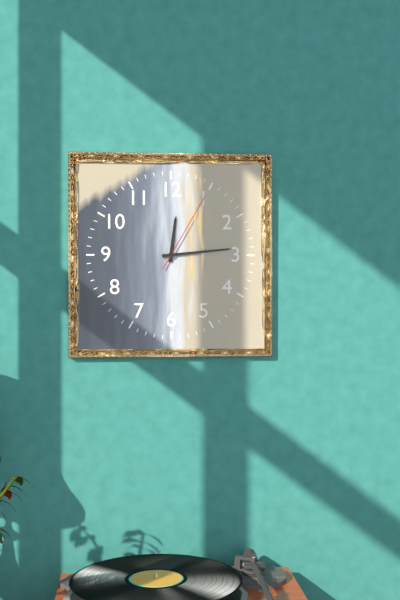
12 h 14 min 05 s
